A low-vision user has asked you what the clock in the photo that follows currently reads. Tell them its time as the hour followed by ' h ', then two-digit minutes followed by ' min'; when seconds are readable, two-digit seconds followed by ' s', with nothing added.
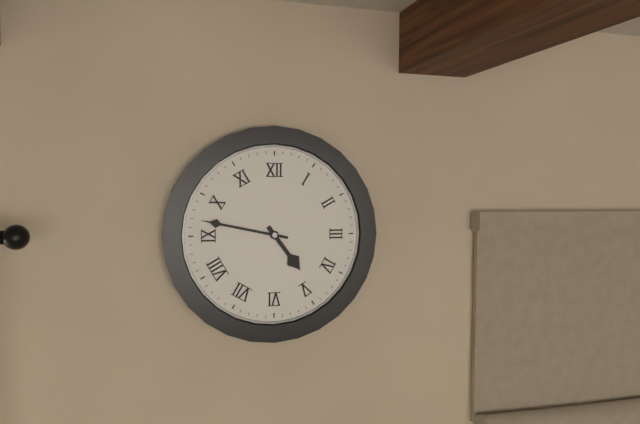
4 h 47 min
